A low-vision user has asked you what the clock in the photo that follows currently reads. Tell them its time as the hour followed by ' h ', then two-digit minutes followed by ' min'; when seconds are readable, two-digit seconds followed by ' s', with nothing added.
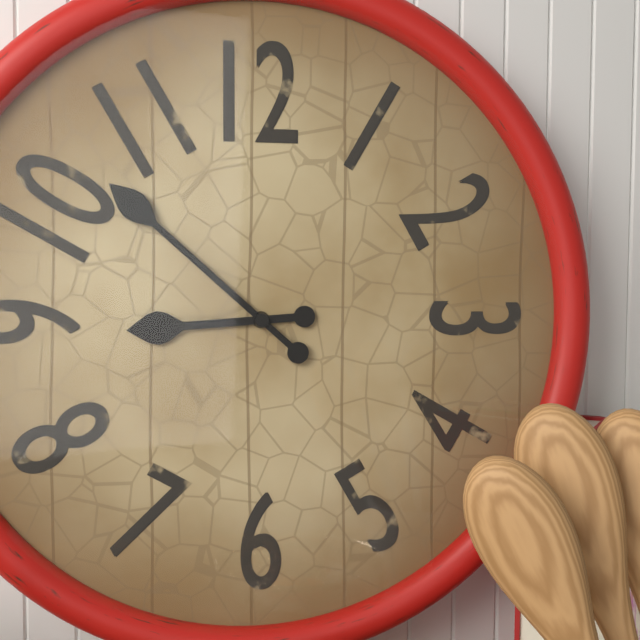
8 h 52 min
